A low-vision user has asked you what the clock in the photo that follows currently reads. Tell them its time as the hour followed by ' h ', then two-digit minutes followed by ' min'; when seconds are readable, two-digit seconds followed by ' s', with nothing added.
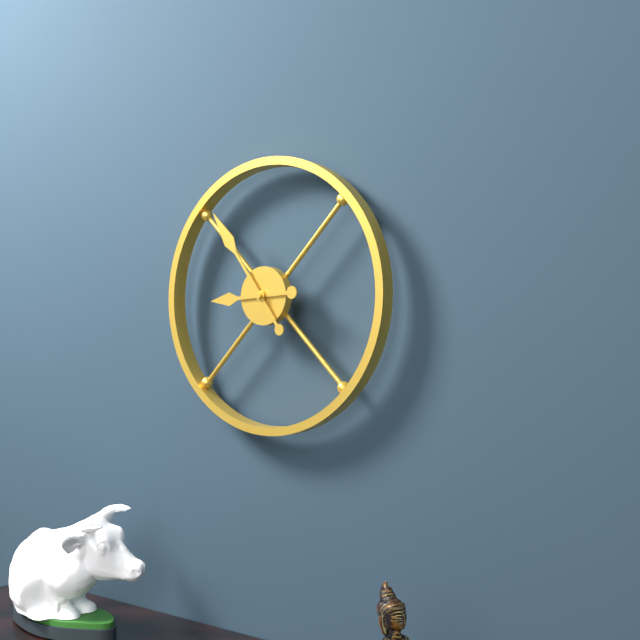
8 h 54 min
